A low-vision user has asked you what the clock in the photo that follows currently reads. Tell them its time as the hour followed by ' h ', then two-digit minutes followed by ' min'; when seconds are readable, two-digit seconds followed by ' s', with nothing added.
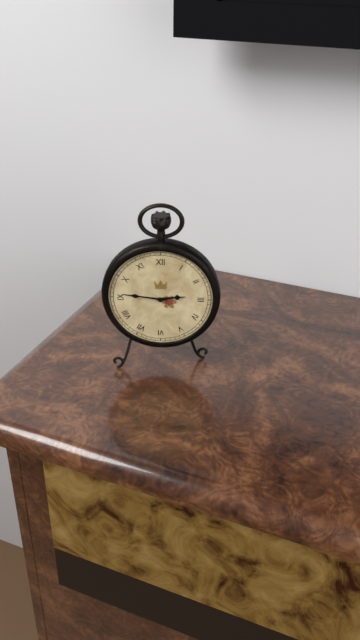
2 h 46 min
